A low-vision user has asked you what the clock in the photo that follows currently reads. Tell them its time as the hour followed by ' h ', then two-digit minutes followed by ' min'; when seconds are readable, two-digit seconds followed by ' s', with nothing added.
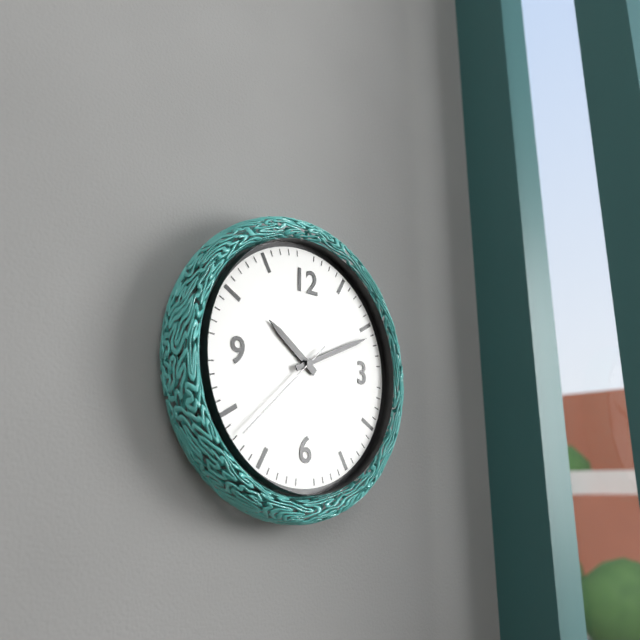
10 h 11 min 38 s
